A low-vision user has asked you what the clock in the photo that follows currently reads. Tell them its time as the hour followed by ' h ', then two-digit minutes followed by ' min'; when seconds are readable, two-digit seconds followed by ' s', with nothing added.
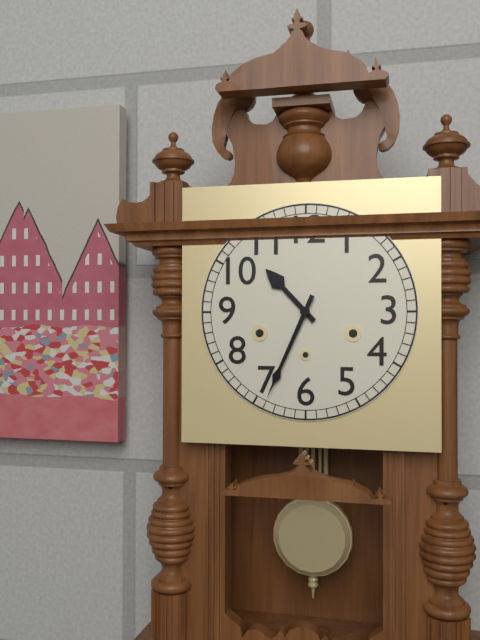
10 h 34 min
